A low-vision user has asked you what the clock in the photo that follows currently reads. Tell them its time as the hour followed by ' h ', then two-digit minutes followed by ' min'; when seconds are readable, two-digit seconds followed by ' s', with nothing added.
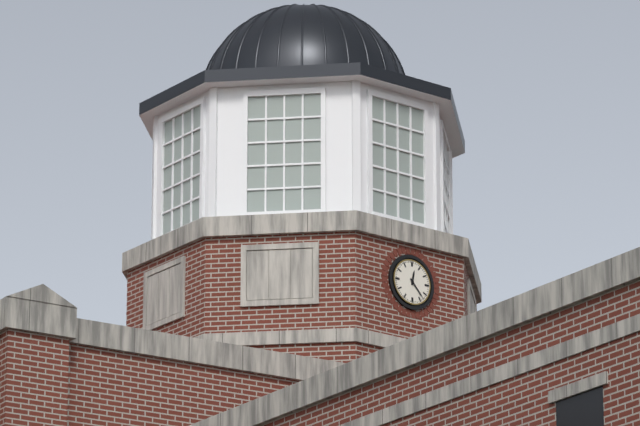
12 h 23 min
